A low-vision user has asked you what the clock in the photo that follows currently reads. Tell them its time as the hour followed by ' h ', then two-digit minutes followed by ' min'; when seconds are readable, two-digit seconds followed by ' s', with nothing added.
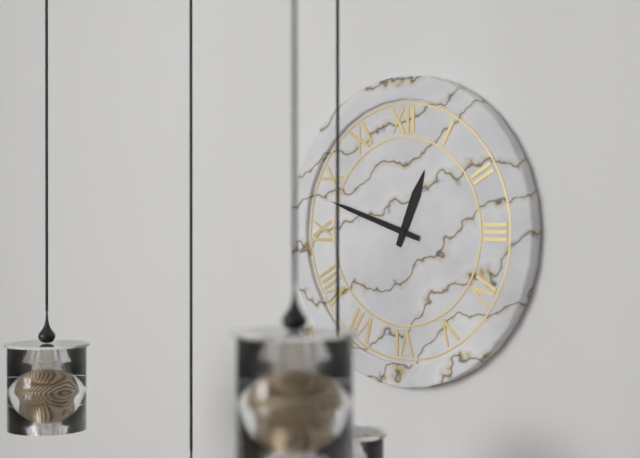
12 h 48 min
